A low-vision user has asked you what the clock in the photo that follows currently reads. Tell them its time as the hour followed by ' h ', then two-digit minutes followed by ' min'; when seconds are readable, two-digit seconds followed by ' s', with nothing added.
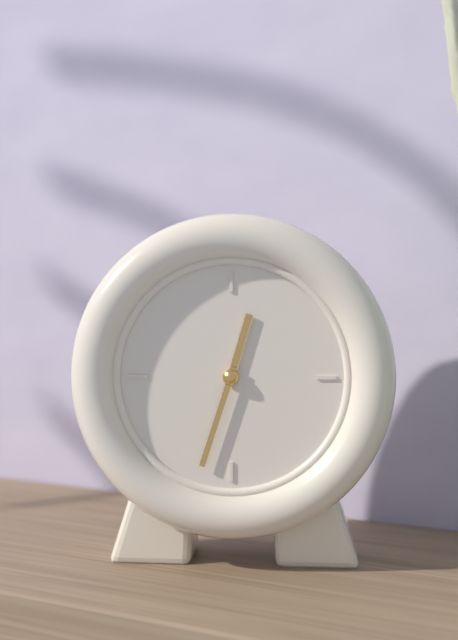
12 h 33 min
